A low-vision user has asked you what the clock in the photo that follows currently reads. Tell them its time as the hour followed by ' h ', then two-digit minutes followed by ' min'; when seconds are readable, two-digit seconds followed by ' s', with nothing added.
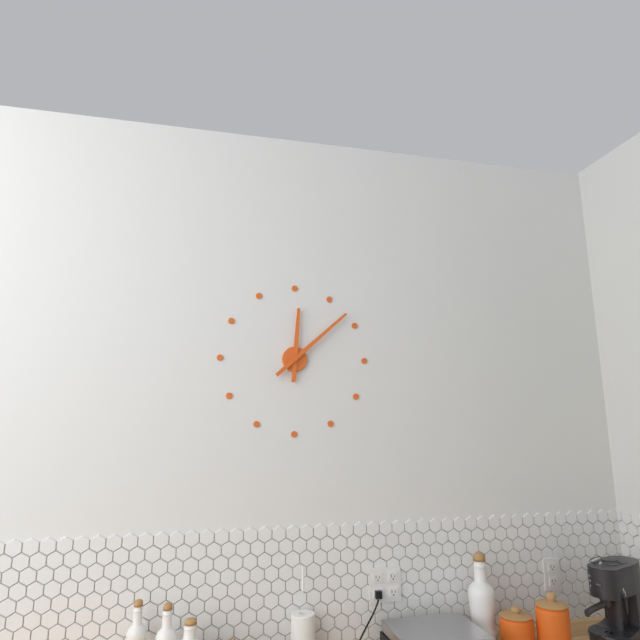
12 h 08 min
